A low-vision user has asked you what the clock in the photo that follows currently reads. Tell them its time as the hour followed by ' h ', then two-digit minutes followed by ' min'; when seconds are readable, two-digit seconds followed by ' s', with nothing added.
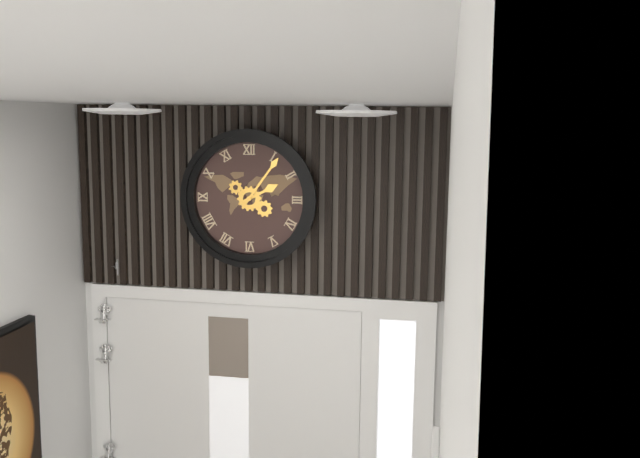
2 h 06 min
